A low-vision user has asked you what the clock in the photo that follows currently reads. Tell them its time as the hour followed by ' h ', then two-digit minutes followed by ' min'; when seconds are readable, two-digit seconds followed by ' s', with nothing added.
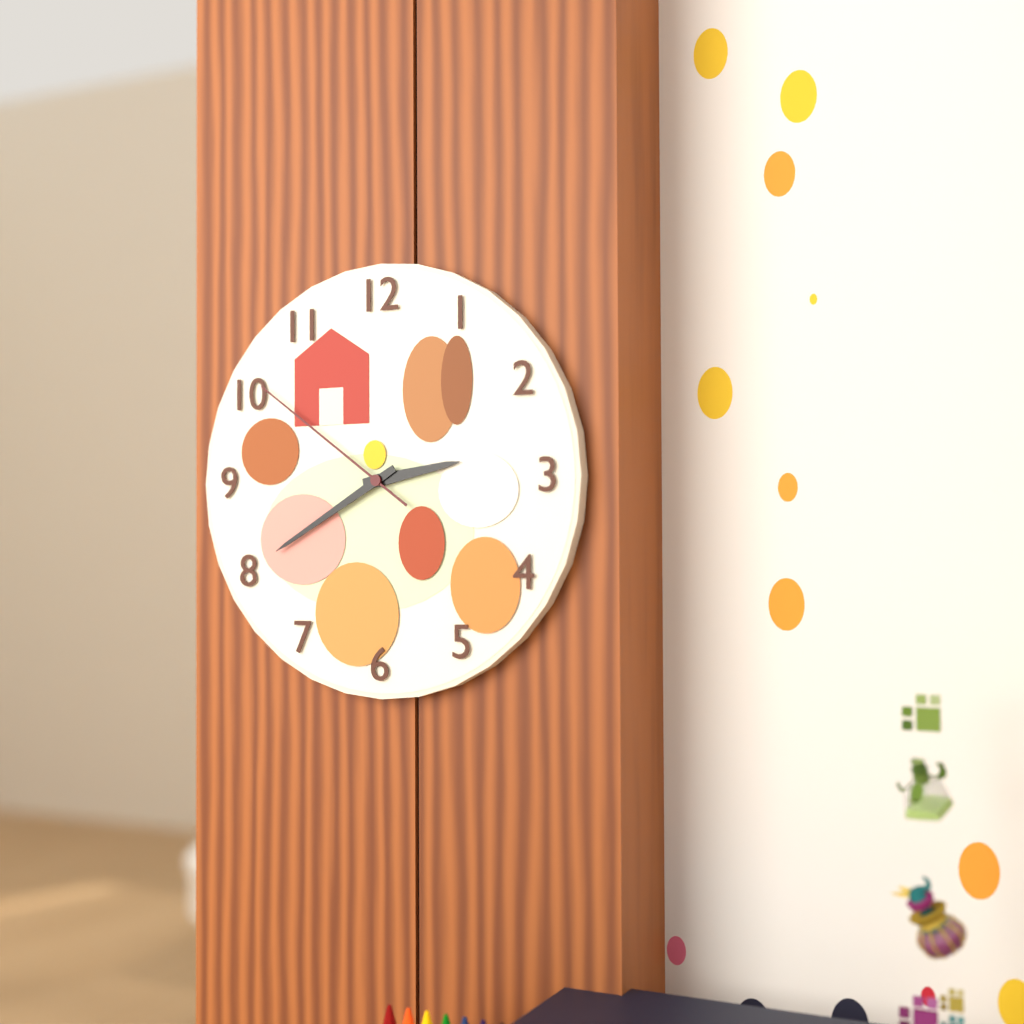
2 h 40 min 51 s
